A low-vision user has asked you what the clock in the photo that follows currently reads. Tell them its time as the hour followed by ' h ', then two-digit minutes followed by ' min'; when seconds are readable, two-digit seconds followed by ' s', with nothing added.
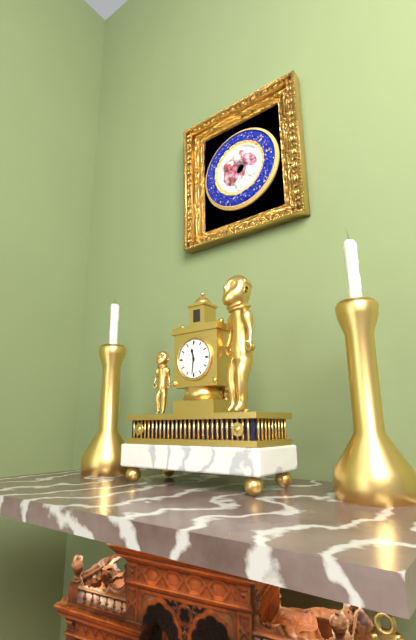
11 h 31 min
